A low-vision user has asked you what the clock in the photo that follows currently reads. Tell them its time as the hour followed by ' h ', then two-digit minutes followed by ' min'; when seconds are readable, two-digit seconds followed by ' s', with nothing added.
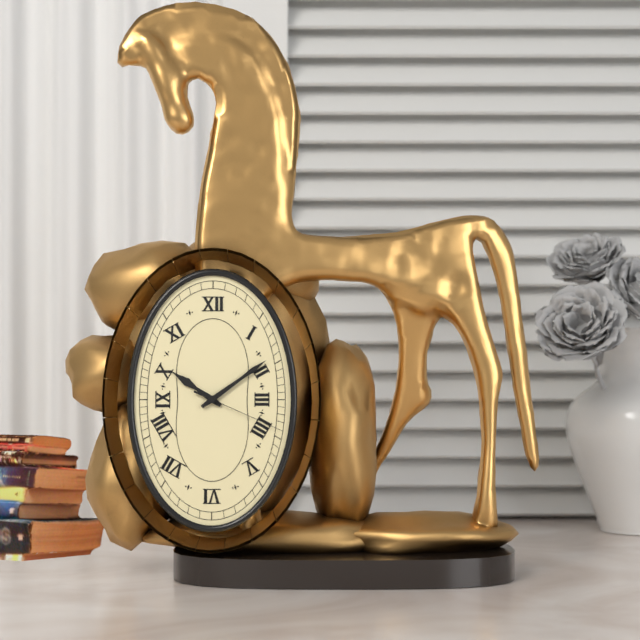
10 h 09 min 19 s
